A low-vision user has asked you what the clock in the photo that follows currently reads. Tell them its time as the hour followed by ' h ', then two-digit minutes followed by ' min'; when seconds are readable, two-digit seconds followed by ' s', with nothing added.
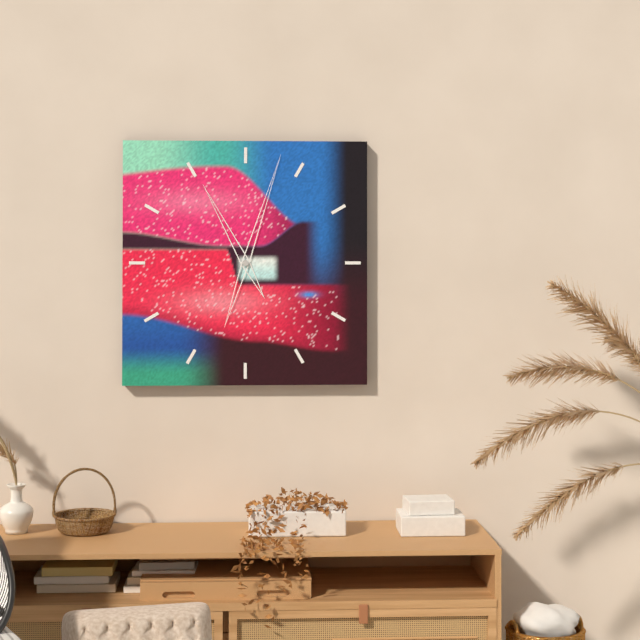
11 h 03 min
